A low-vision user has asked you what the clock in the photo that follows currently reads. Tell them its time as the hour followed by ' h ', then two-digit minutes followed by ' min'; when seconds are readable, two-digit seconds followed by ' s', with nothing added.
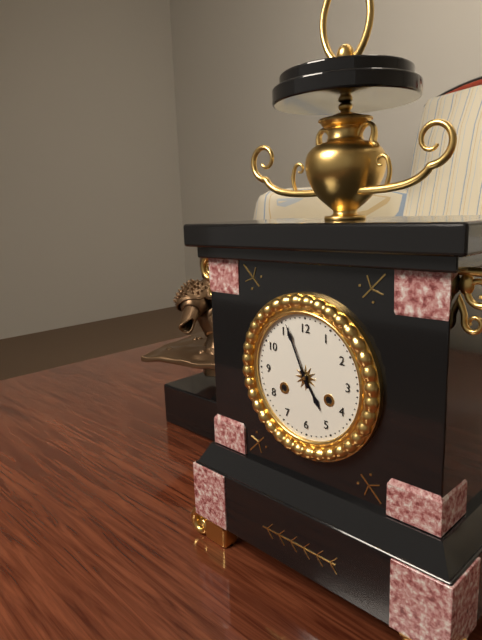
4 h 56 min
